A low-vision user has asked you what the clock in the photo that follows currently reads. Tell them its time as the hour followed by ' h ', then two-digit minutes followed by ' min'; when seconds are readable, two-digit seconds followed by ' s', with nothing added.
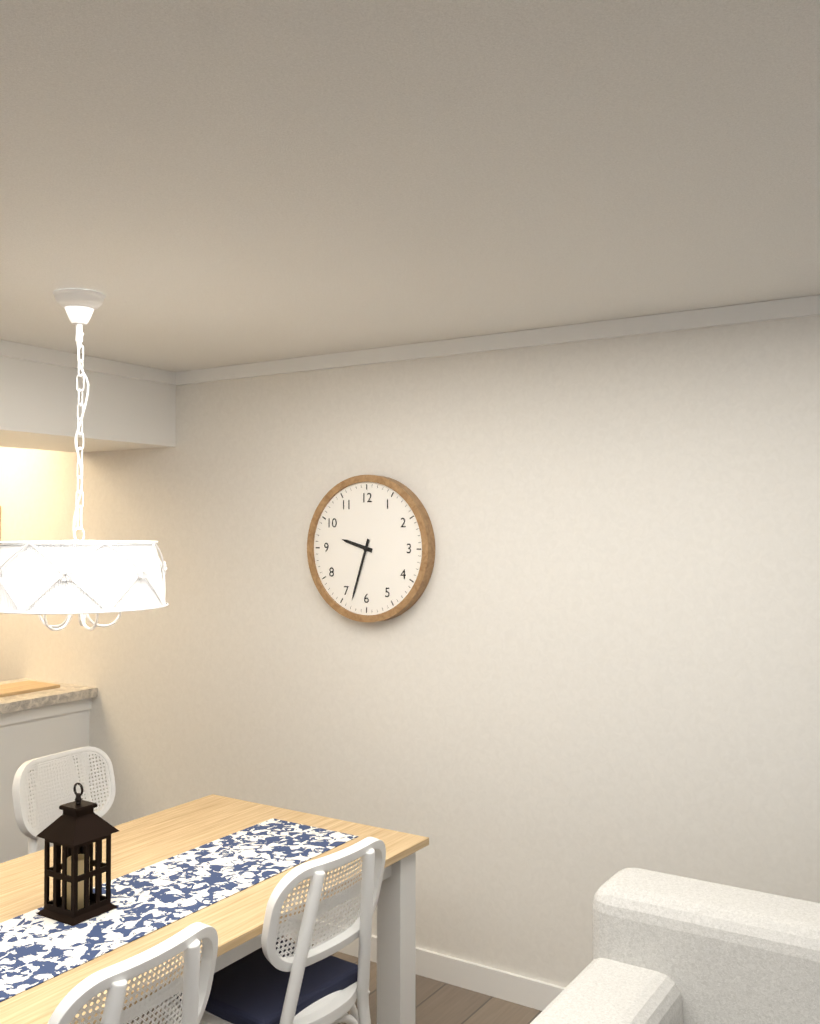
9 h 33 min
